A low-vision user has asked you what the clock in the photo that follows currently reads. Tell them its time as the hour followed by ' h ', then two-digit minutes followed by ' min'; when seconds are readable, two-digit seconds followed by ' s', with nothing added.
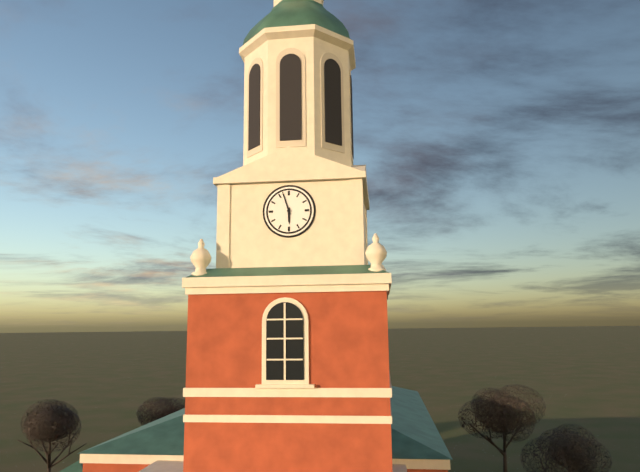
5 h 57 min
